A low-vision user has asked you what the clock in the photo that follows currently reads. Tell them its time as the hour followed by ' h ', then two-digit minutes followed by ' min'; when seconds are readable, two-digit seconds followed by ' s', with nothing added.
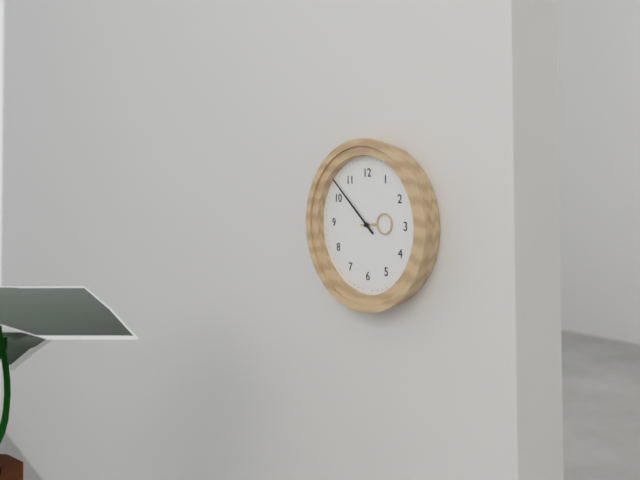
2 h 52 min
